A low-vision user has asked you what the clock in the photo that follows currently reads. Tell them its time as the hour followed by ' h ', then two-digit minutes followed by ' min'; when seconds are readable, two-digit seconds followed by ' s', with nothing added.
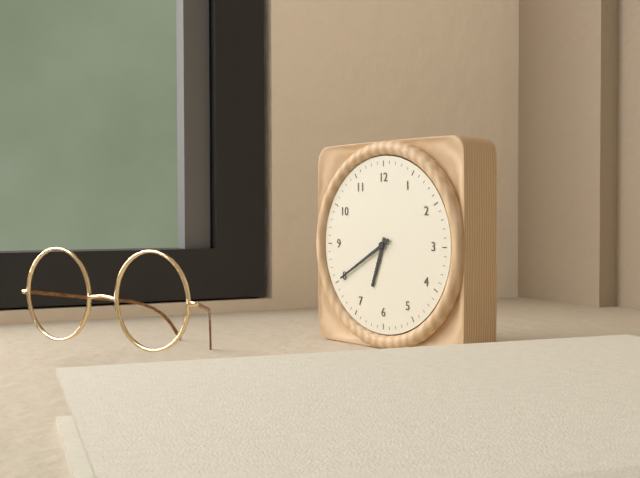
6 h 40 min
